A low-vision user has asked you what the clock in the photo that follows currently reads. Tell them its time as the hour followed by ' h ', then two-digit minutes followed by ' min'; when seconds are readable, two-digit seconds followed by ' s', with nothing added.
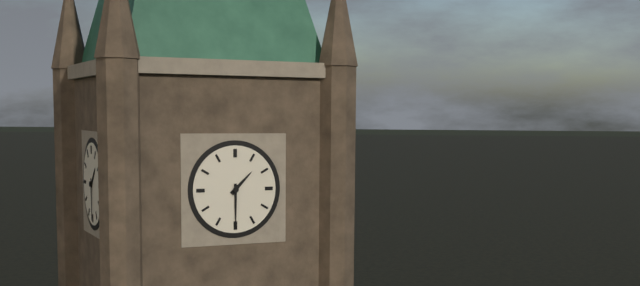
1 h 30 min
